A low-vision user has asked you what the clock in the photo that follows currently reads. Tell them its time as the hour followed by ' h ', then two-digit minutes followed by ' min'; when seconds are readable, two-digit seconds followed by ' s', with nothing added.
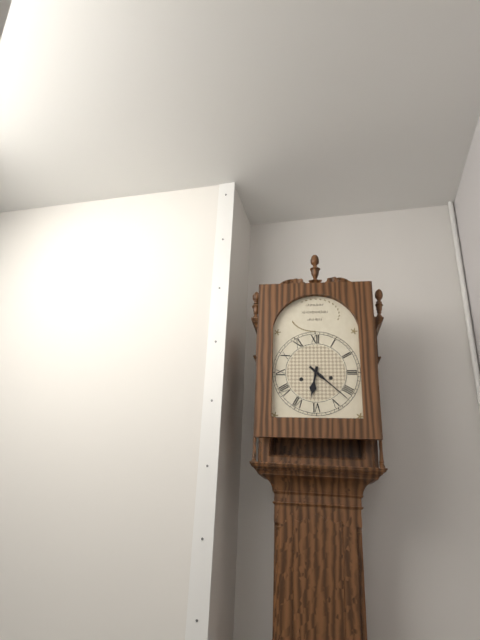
6 h 22 min
